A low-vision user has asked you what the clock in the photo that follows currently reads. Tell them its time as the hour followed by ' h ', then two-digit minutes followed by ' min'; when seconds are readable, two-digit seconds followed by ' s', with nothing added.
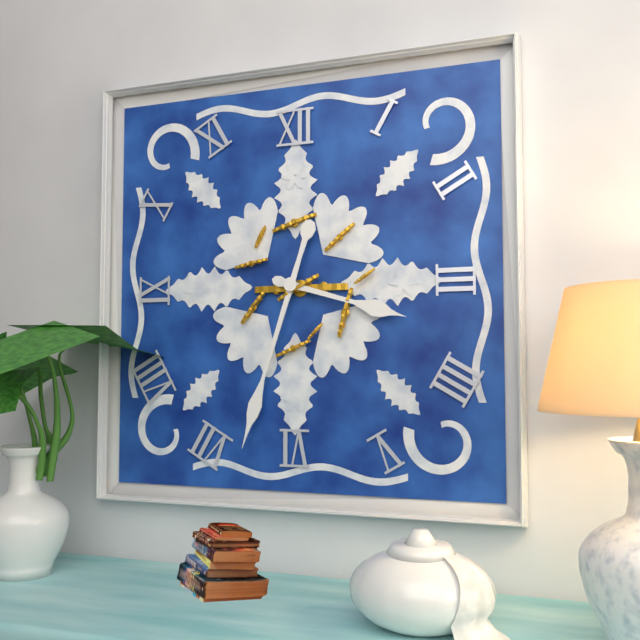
3 h 33 min
